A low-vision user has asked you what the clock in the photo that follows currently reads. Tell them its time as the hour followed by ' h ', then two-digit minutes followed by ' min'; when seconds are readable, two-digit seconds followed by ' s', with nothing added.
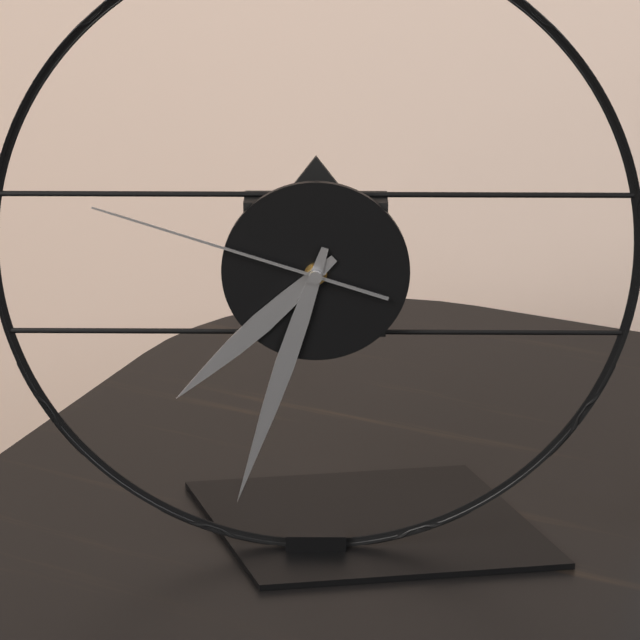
7 h 33 min 48 s
